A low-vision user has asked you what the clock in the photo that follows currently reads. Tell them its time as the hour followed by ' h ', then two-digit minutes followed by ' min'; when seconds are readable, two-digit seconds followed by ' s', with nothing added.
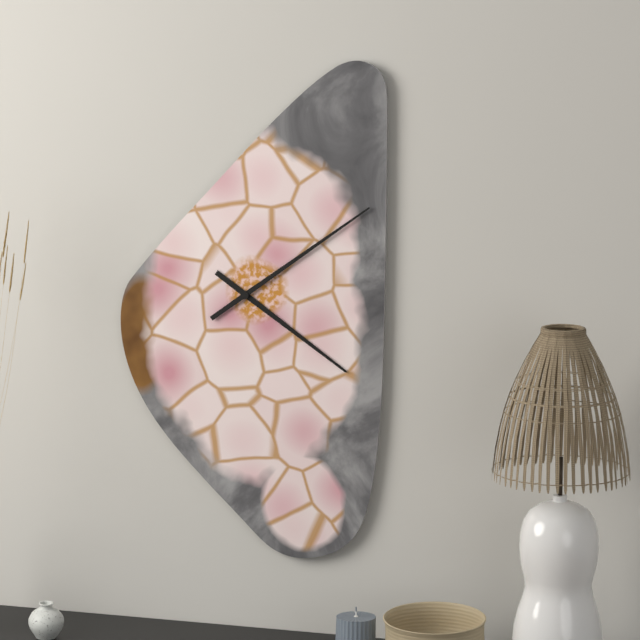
4 h 09 min
